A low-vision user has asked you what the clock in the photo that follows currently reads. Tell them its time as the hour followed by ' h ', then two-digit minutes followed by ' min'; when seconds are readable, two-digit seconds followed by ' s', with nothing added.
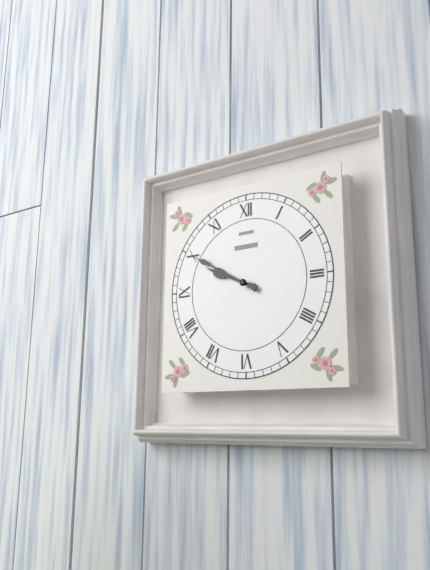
9 h 50 min
